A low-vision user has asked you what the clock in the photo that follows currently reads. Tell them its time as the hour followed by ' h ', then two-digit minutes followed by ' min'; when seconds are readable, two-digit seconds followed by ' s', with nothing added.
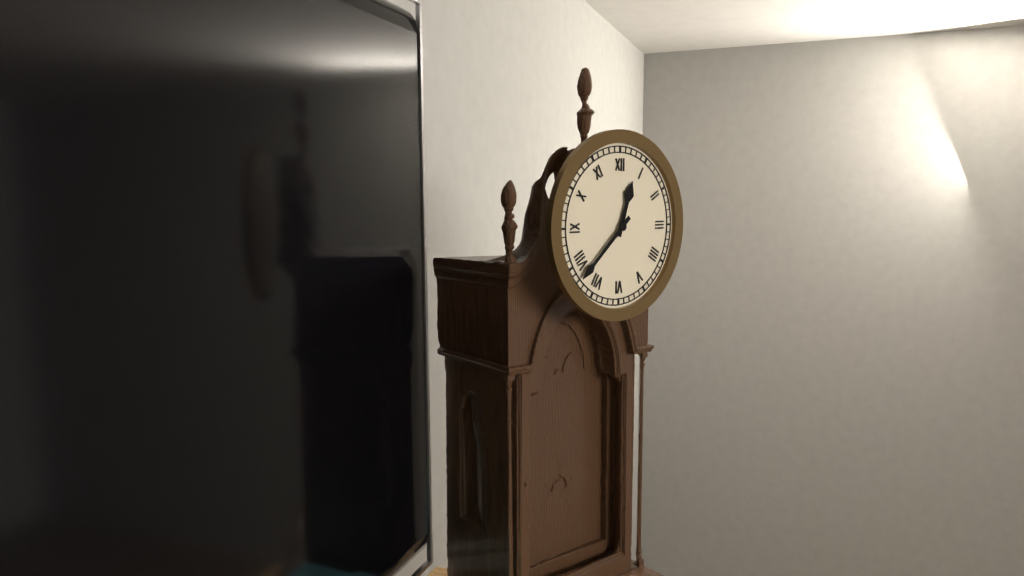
12 h 38 min
